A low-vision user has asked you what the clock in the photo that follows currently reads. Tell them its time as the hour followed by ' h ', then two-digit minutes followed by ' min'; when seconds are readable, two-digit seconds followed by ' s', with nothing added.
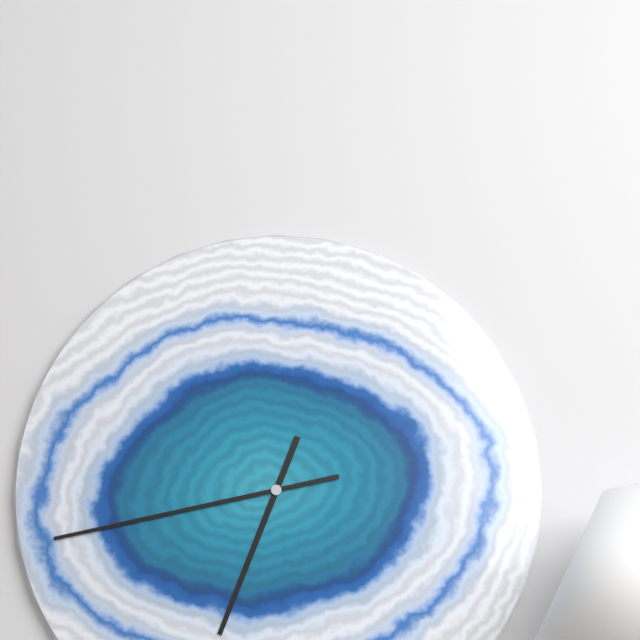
6 h 43 min
